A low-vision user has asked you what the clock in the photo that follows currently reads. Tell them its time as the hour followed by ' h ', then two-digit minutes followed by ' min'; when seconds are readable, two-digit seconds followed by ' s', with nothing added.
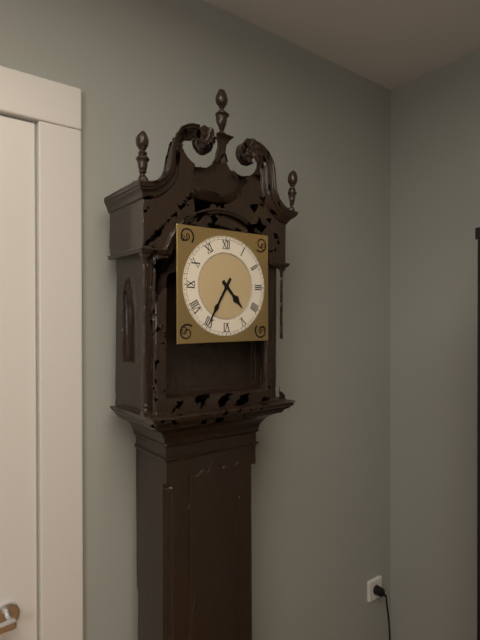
4 h 35 min
